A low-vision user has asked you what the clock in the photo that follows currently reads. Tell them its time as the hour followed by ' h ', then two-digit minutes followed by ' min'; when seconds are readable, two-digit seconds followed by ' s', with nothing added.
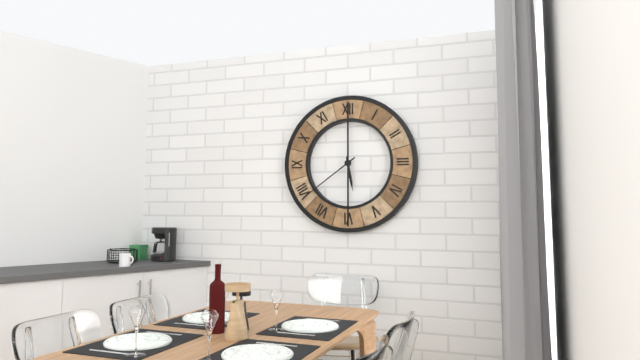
5 h 39 min
